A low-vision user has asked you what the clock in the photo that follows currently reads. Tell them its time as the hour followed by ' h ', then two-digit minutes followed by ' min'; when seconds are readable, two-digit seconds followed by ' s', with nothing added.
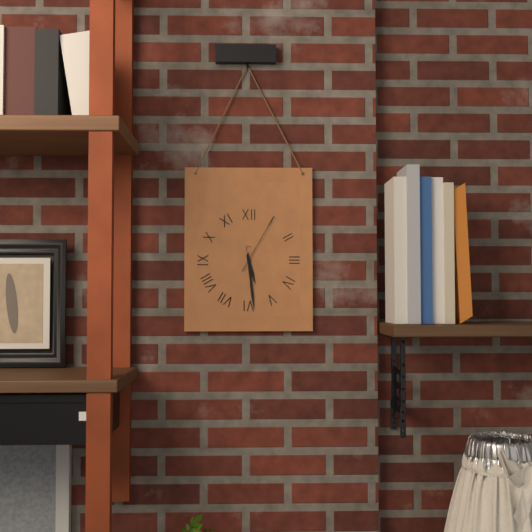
5 h 29 min 05 s
